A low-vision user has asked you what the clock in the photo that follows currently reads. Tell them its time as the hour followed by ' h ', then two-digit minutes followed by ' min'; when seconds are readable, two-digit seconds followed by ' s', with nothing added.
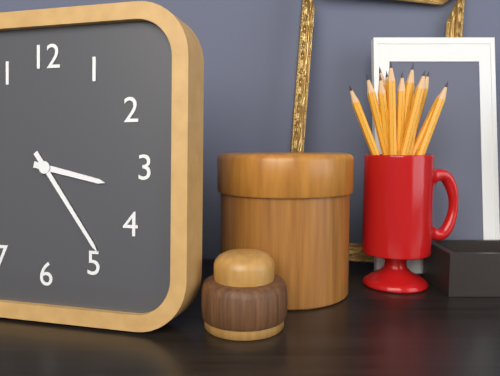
3 h 24 min
